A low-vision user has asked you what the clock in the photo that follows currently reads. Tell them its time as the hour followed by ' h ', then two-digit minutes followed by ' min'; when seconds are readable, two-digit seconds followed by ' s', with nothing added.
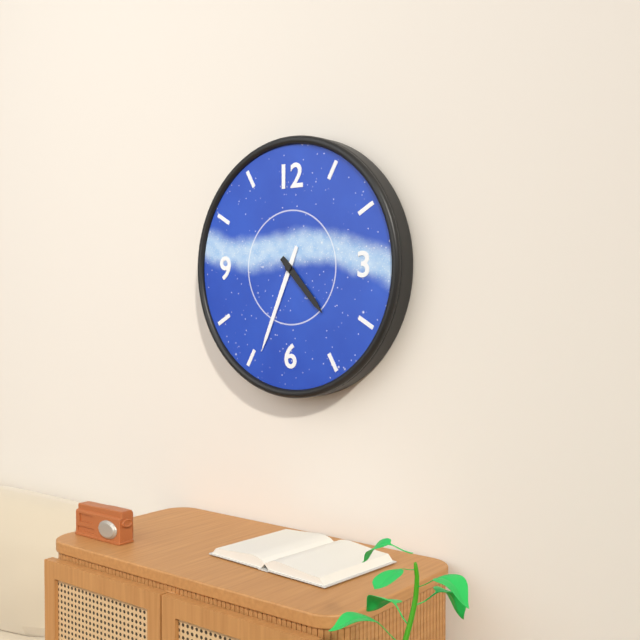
4 h 34 min
